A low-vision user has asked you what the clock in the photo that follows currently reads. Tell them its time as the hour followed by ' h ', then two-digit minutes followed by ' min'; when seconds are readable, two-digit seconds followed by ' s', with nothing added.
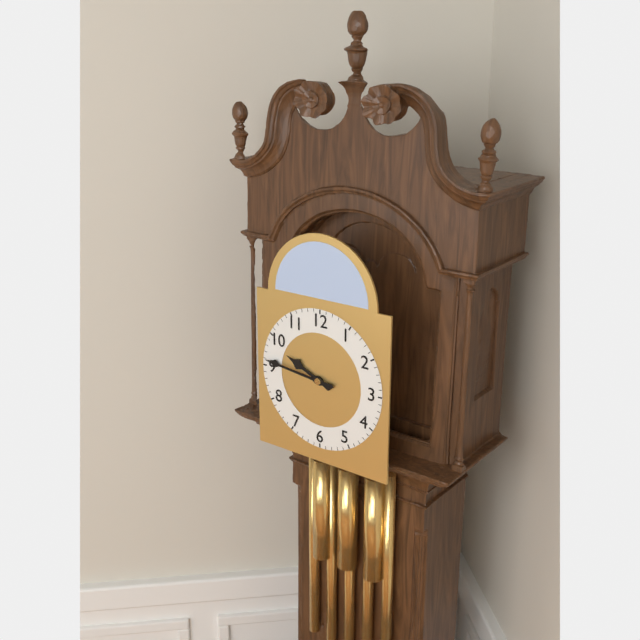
9 h 46 min
